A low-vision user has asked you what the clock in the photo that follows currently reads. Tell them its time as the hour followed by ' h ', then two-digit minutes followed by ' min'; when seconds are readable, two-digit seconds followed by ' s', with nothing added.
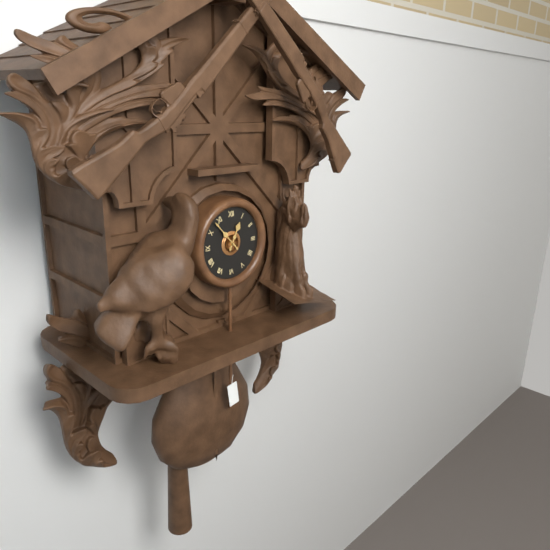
12 h 53 min
